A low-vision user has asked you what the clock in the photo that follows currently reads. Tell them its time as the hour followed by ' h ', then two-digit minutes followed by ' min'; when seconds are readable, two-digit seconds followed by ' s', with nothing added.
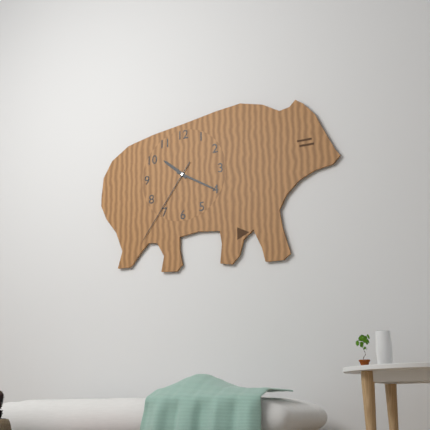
10 h 20 min 36 s
